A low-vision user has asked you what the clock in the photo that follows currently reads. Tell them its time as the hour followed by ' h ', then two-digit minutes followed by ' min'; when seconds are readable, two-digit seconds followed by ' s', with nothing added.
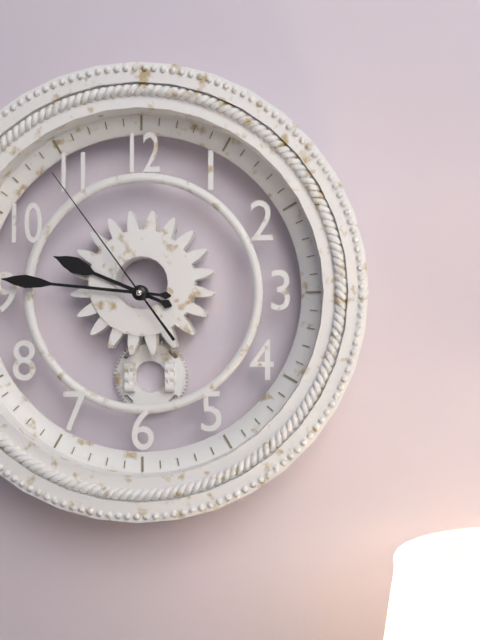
9 h 46 min 54 s
